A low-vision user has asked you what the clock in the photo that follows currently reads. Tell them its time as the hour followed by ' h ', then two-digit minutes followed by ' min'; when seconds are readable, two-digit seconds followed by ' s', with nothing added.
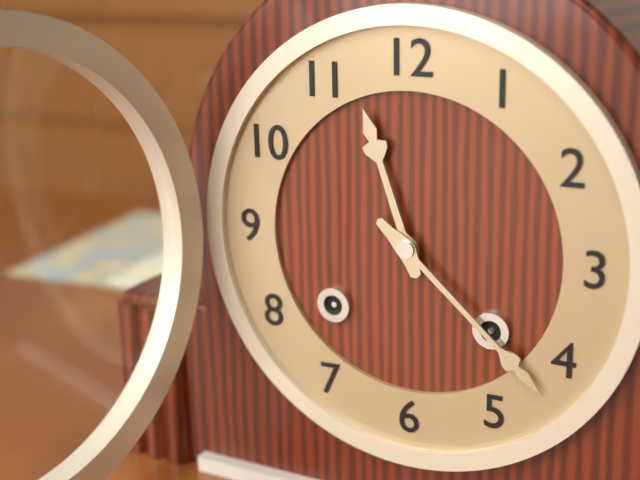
11 h 22 min
